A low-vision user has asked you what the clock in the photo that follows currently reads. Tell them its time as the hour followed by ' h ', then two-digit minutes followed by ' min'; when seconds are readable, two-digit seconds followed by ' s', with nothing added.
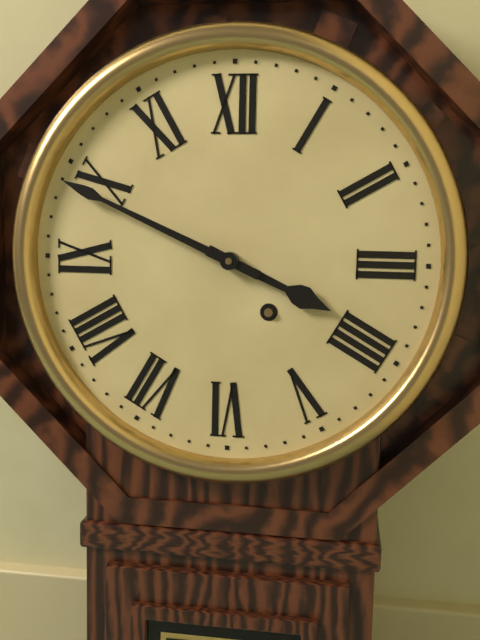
3 h 49 min
